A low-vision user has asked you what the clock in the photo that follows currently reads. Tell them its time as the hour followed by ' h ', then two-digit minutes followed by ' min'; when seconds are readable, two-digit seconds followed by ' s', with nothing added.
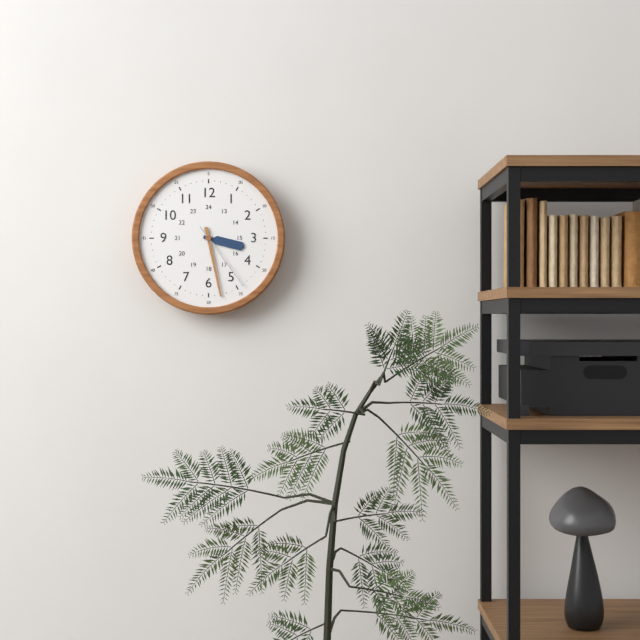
3 h 28 min 24 s
